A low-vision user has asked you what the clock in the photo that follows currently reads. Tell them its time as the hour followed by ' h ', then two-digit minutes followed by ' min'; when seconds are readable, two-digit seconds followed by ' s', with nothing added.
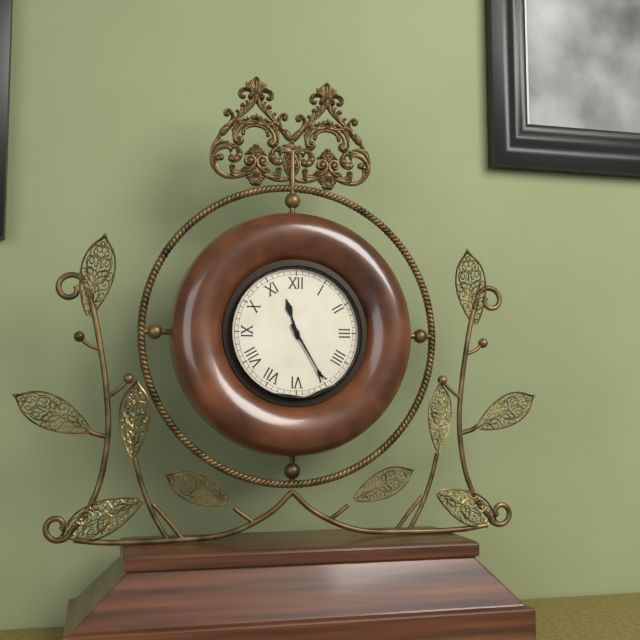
11 h 25 min
